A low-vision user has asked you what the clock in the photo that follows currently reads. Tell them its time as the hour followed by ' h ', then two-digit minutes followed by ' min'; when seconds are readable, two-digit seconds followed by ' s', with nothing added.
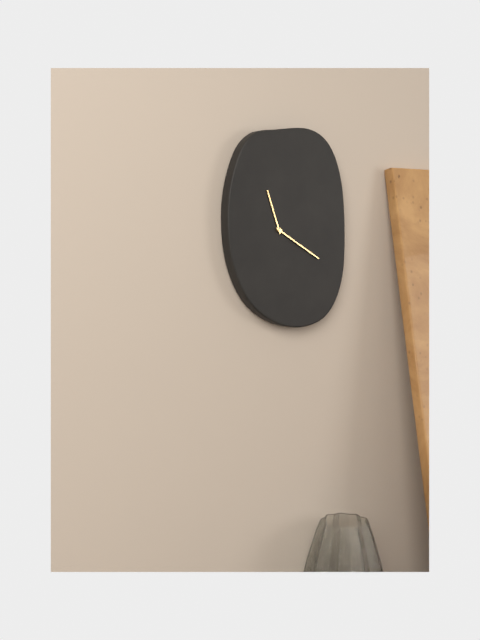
11 h 20 min
